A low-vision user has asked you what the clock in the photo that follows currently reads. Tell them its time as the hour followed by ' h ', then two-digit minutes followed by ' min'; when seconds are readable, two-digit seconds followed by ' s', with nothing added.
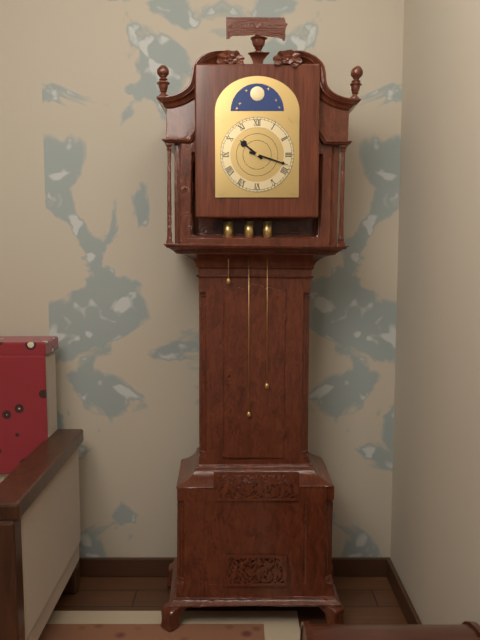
10 h 18 min
